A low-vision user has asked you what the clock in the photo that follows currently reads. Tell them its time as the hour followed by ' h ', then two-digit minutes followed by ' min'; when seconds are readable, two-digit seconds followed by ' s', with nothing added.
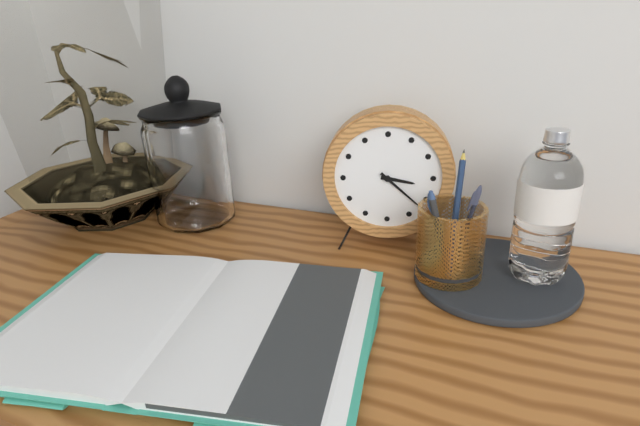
3 h 22 min
